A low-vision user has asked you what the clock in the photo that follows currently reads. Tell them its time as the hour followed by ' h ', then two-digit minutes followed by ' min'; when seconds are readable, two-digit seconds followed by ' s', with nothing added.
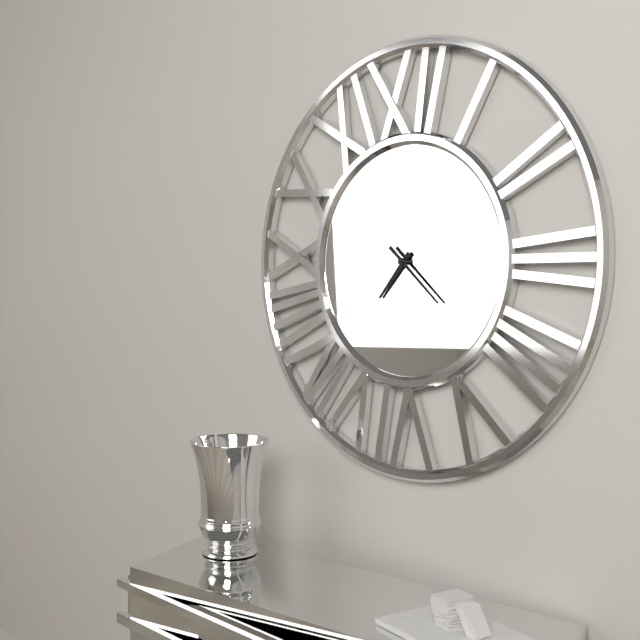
7 h 22 min
